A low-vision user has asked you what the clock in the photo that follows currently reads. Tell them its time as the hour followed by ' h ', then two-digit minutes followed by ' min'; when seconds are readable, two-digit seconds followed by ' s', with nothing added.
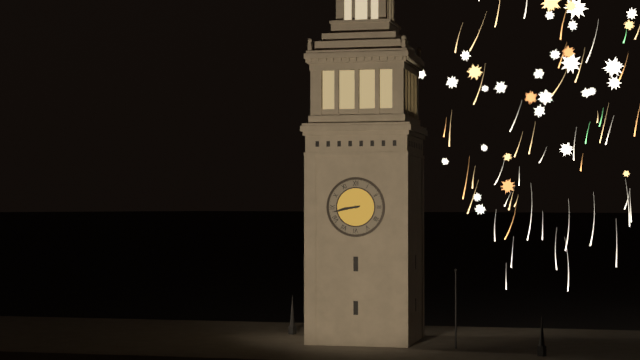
8 h 43 min
